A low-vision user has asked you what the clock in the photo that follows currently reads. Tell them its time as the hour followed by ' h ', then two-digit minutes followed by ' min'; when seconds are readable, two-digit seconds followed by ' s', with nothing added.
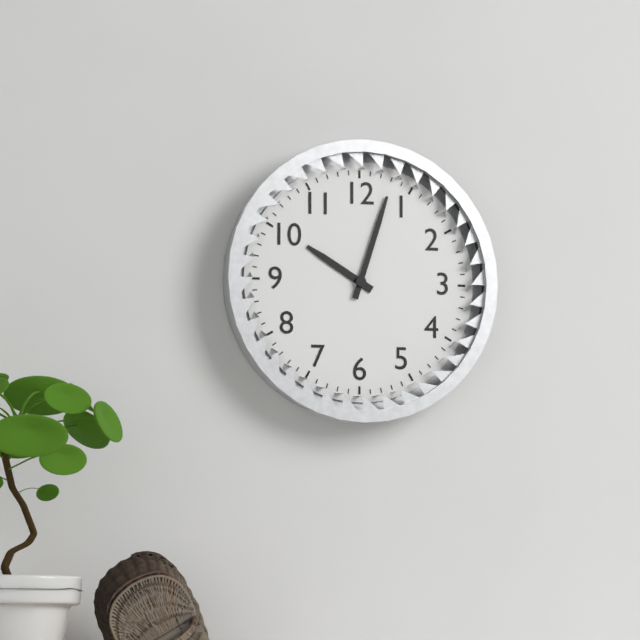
10 h 03 min
